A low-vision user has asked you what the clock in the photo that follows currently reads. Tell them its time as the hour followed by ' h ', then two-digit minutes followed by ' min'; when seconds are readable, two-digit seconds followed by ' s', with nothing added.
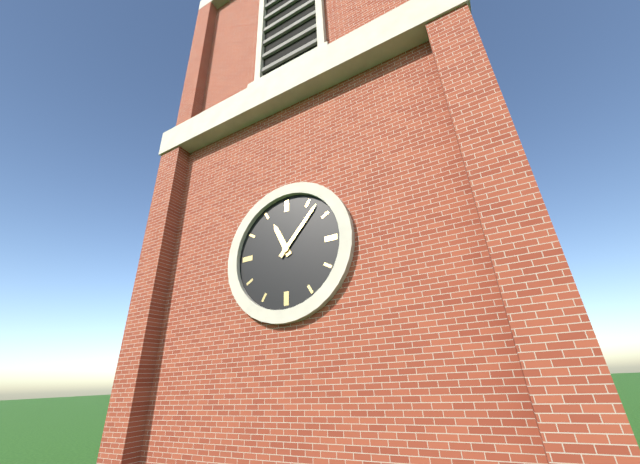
11 h 07 min
